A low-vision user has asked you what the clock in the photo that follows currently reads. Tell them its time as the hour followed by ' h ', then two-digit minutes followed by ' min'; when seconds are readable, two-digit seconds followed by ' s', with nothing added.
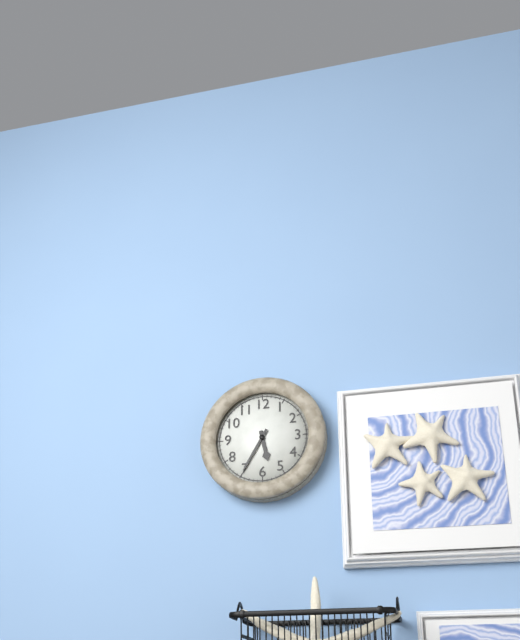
5 h 35 min
